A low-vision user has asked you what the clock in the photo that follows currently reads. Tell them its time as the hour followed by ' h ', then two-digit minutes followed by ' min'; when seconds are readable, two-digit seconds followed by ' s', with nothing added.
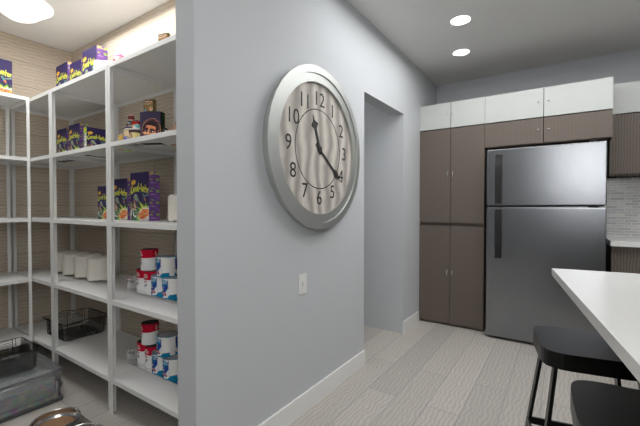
11 h 21 min
